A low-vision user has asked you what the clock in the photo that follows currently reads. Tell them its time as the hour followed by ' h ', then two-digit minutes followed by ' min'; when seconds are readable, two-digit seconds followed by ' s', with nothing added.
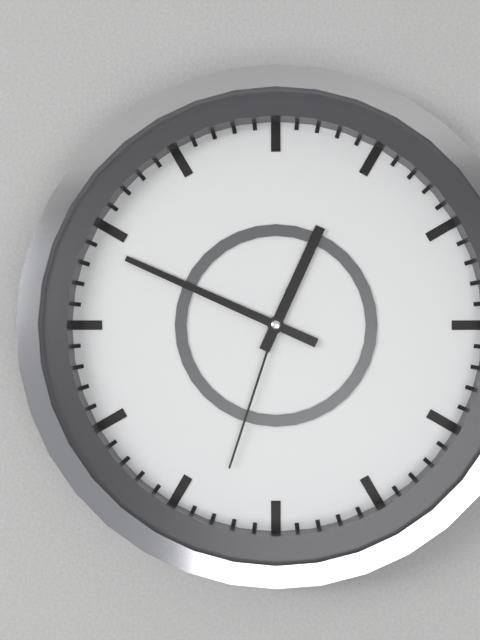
12 h 49 min 33 s
